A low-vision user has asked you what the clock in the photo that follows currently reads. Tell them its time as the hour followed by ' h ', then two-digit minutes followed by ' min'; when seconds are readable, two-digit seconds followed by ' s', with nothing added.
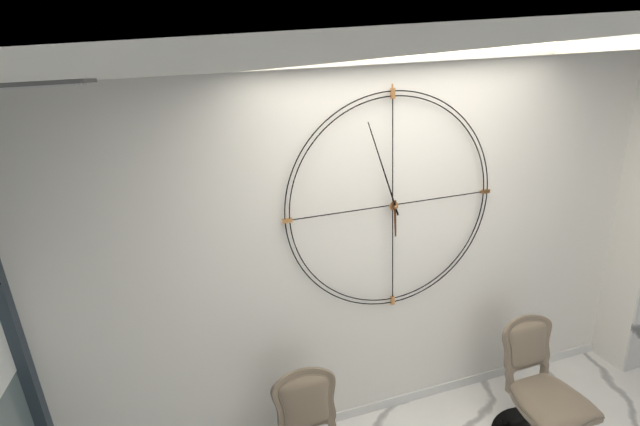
5 h 57 min
